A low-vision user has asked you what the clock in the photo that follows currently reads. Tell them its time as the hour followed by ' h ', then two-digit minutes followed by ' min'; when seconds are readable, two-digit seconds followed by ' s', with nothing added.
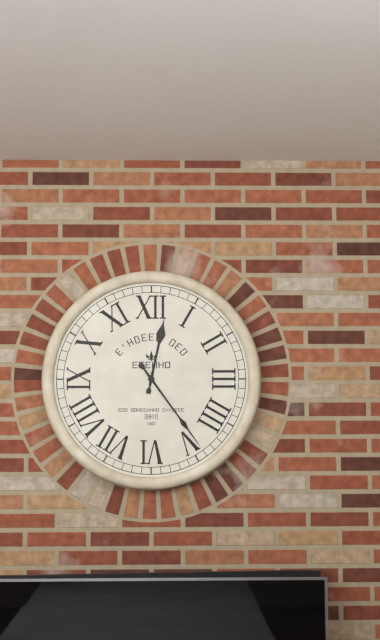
12 h 24 min
